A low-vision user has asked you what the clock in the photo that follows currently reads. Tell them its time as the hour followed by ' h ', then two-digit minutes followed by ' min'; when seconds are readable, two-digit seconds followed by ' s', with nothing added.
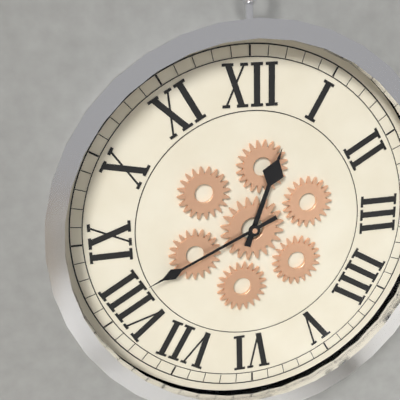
12 h 41 min
